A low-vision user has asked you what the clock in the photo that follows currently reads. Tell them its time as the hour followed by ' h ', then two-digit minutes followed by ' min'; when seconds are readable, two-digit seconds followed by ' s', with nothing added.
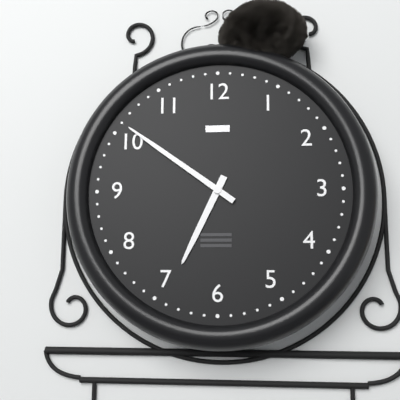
6 h 51 min
